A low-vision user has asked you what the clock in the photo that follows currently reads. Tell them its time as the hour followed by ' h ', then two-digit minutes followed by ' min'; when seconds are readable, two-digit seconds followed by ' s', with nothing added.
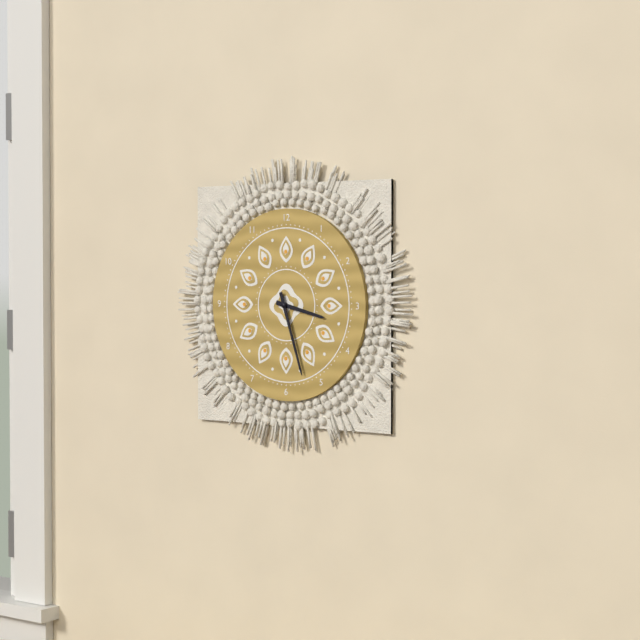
3 h 27 min
